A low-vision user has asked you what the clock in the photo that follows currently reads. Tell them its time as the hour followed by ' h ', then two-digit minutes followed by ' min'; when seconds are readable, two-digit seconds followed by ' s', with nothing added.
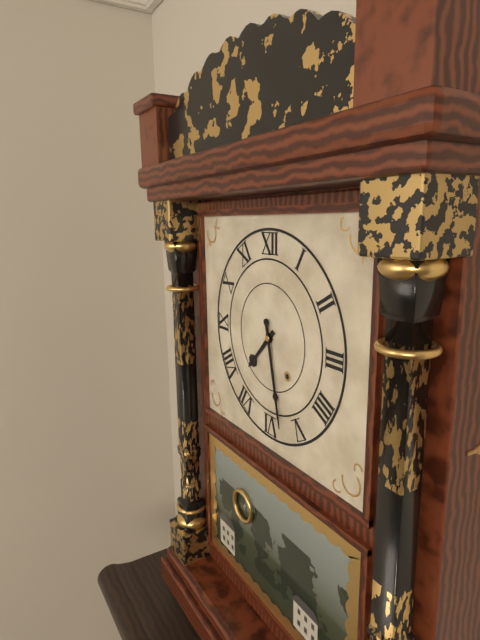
7 h 28 min
